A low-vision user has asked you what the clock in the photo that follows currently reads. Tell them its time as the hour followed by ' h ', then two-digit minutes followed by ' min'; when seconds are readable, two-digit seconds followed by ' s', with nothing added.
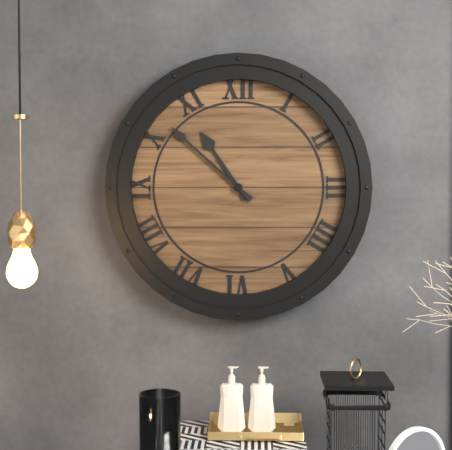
10 h 52 min
